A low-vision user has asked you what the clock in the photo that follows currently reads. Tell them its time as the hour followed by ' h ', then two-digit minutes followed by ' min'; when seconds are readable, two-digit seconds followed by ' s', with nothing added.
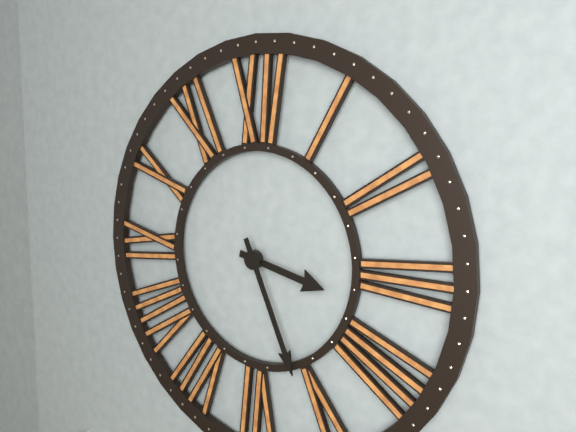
3 h 26 min
